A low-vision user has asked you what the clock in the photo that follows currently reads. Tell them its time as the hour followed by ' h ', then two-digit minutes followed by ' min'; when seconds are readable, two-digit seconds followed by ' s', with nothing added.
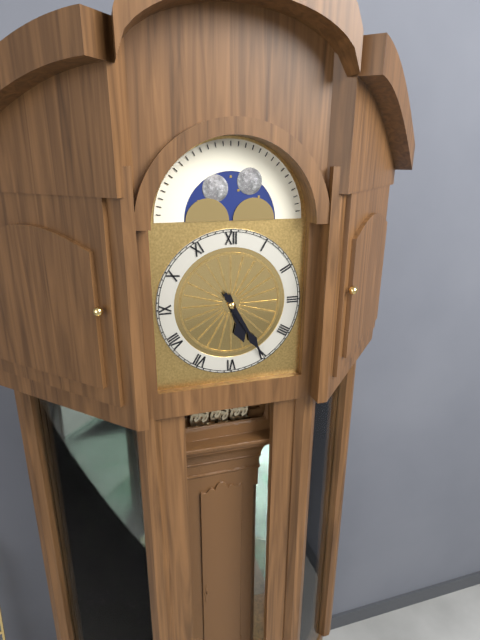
5 h 25 min
